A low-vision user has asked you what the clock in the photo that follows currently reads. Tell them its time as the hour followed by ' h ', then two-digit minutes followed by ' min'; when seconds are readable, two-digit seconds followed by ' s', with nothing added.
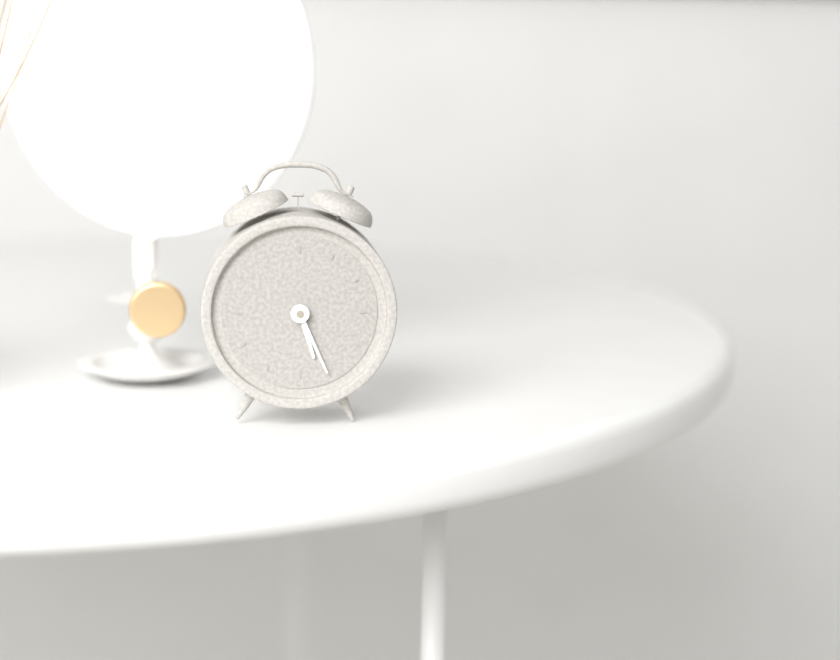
5 h 26 min
